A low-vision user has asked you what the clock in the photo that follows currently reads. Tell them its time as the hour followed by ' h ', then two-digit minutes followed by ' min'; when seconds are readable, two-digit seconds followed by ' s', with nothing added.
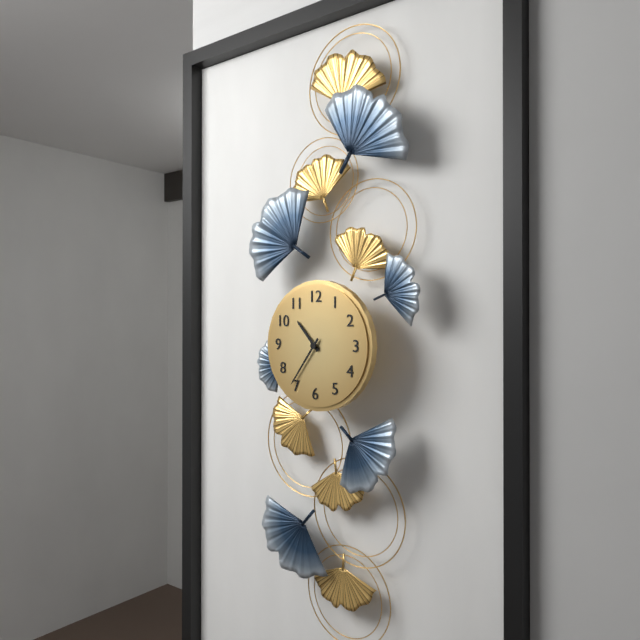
10 h 36 min
